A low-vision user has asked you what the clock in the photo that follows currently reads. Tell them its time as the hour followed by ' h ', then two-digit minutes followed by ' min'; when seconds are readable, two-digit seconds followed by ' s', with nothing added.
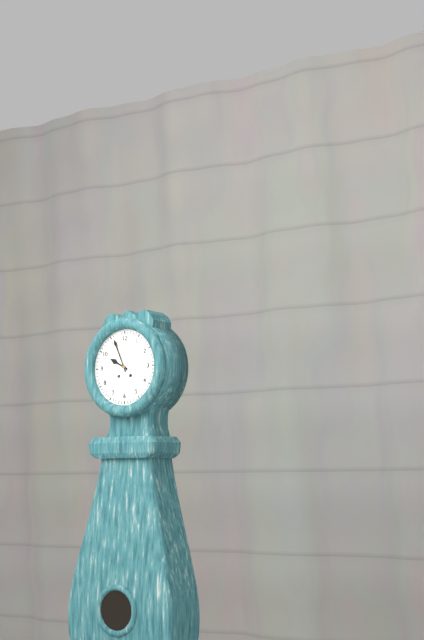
9 h 56 min
